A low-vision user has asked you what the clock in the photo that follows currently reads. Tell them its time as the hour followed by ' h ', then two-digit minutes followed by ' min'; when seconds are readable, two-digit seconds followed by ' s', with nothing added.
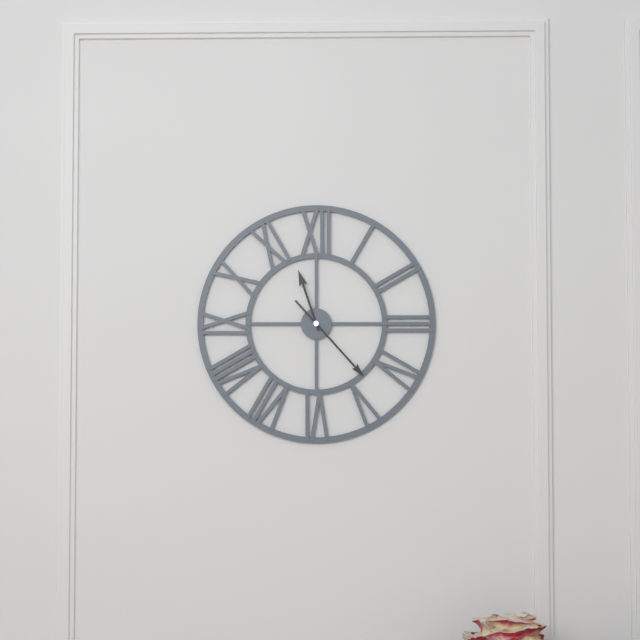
11 h 23 min
